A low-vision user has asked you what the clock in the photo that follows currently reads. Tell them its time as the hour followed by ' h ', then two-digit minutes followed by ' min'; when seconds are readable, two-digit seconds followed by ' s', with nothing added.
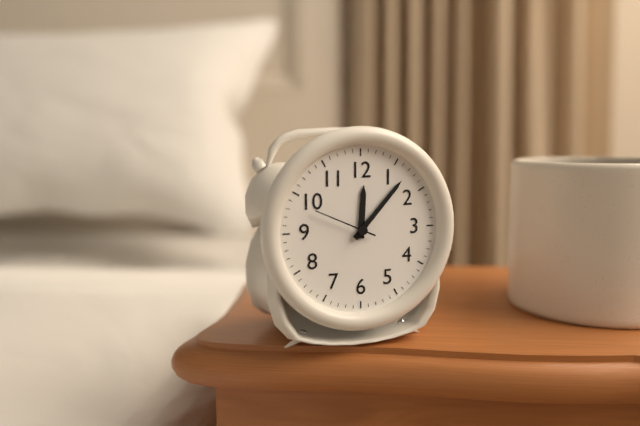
12 h 07 min 49 s
